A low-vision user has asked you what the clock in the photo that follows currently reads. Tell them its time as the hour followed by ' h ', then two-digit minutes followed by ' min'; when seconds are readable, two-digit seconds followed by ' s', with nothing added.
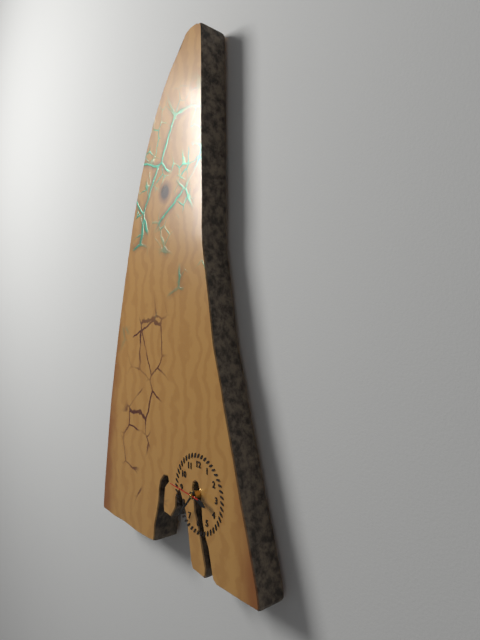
3 h 37 min
